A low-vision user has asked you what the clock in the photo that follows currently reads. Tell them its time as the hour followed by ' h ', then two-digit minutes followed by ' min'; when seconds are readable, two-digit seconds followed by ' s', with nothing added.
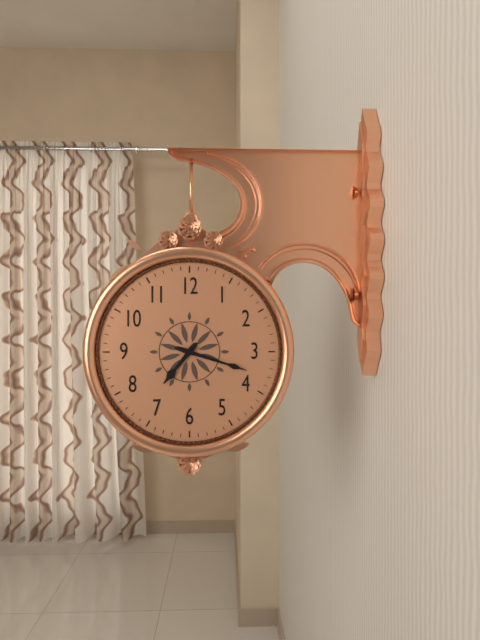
7 h 18 min
